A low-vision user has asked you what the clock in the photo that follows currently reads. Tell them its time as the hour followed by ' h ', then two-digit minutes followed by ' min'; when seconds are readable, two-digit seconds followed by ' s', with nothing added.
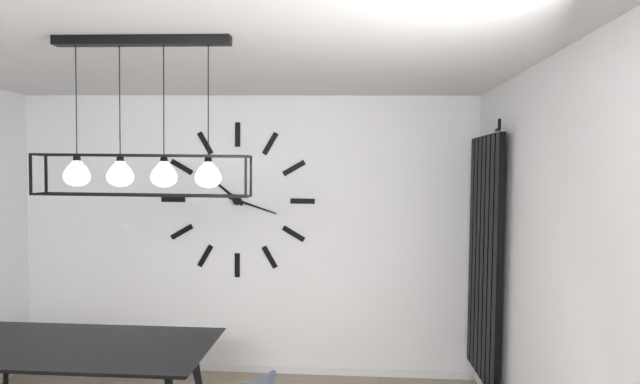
10 h 18 min
